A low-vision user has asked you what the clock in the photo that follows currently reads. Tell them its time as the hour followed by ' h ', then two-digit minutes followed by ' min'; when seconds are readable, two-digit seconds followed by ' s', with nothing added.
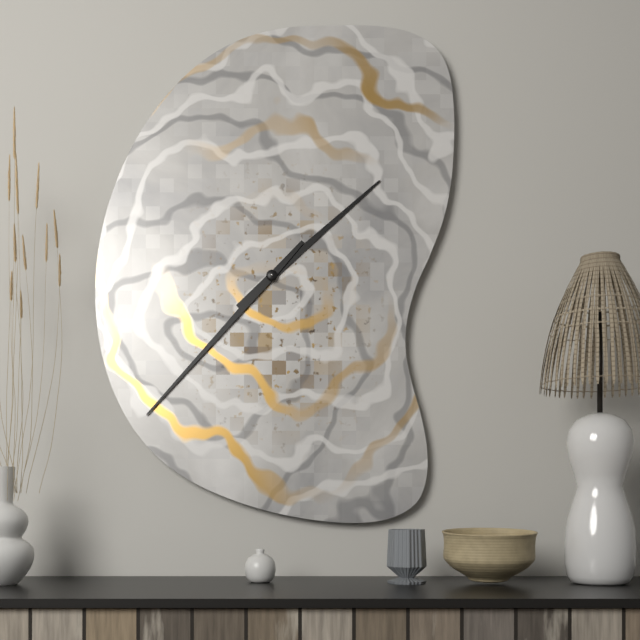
1 h 37 min
